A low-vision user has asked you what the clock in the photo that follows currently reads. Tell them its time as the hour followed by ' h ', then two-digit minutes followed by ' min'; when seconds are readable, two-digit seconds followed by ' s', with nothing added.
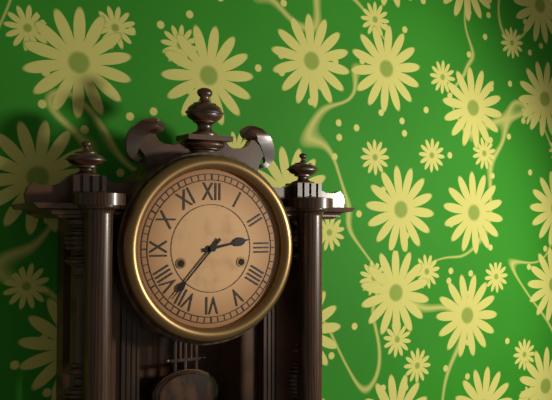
2 h 37 min
